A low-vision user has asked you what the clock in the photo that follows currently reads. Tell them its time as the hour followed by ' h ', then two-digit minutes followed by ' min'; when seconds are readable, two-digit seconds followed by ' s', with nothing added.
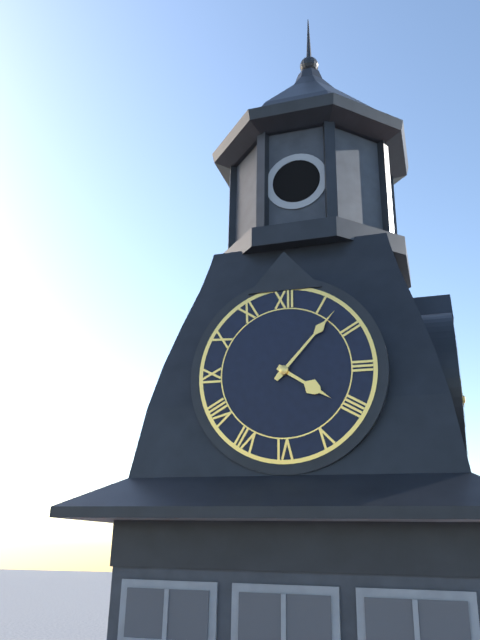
4 h 07 min
